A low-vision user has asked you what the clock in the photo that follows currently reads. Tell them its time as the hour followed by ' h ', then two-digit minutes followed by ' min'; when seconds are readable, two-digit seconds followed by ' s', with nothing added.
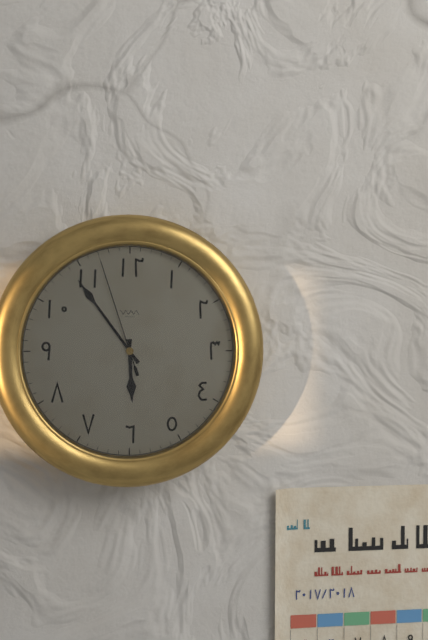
5 h 54 min 57 s
